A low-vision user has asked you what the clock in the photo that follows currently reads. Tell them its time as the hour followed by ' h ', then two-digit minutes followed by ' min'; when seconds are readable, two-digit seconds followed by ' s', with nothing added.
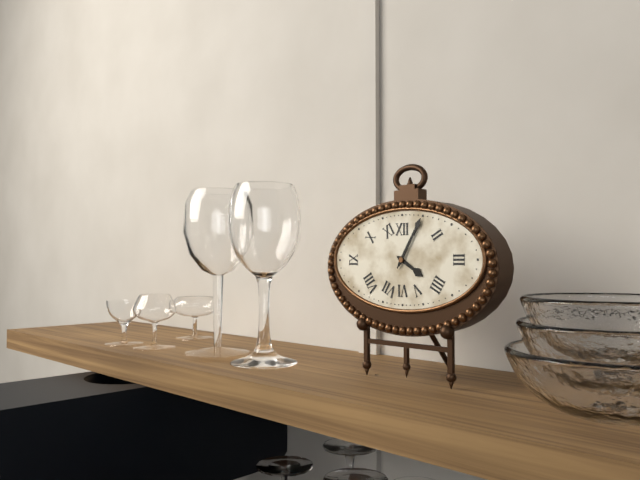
4 h 05 min
